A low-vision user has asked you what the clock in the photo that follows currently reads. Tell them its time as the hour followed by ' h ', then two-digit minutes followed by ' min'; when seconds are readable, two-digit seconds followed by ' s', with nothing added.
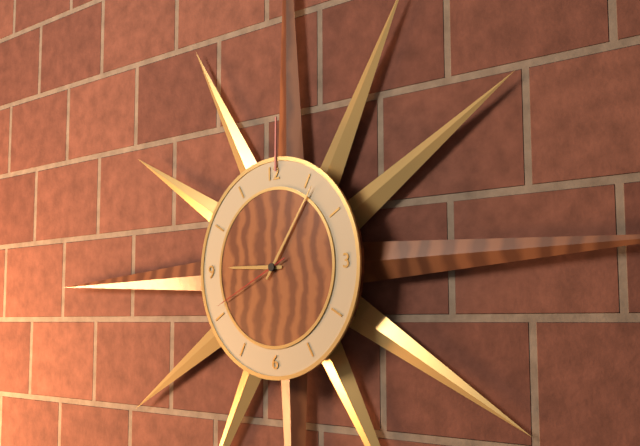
9 h 06 min 41 s
